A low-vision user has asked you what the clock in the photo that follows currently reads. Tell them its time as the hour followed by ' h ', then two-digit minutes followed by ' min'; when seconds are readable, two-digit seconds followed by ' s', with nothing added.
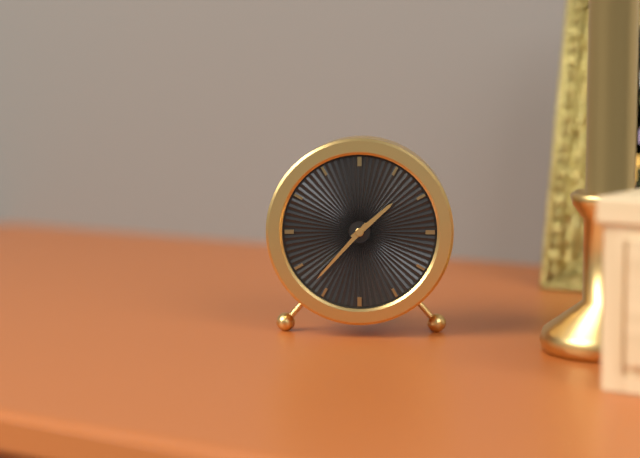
1 h 37 min
